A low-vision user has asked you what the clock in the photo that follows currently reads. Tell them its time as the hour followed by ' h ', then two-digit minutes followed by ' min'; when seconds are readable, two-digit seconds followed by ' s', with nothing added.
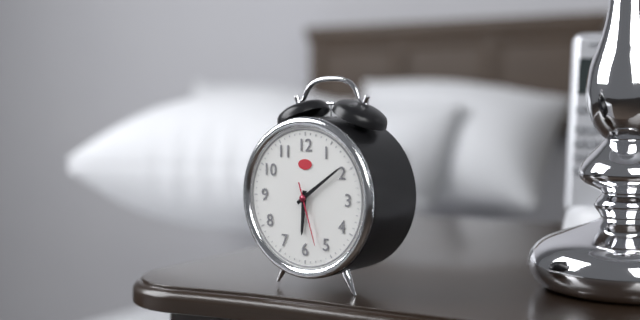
6 h 09 min 27 s
